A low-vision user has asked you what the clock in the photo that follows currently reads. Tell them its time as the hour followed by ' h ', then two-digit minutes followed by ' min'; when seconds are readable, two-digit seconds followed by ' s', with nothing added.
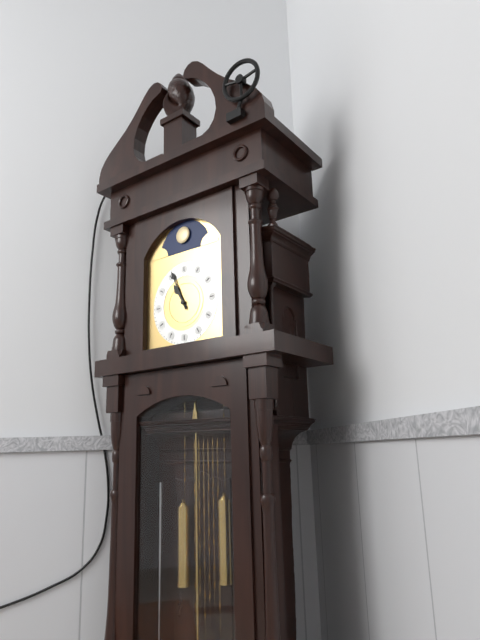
10 h 56 min
